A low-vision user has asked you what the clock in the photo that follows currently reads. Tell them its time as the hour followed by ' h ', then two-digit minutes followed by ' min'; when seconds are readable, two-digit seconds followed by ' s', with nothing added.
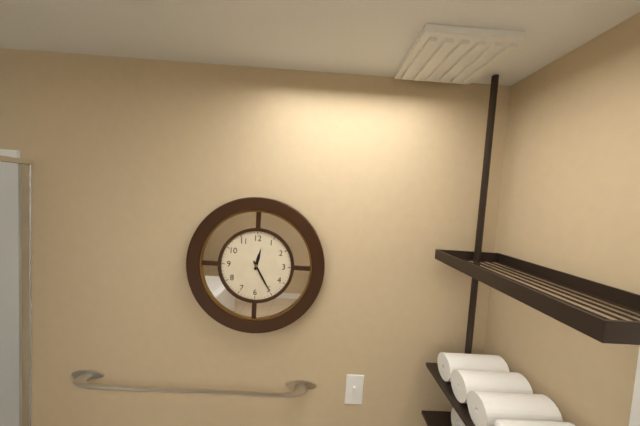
12 h 25 min
